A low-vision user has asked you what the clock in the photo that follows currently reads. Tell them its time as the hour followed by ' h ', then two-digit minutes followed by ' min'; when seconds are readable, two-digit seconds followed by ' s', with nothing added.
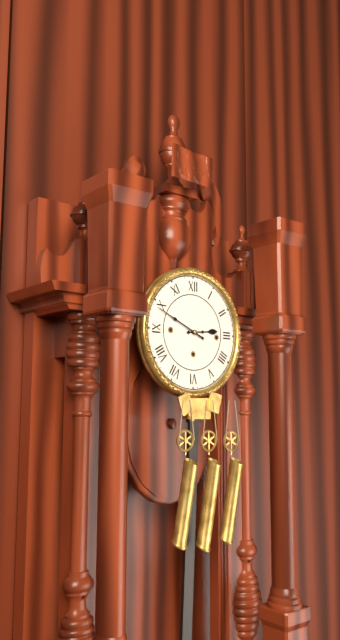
2 h 49 min
